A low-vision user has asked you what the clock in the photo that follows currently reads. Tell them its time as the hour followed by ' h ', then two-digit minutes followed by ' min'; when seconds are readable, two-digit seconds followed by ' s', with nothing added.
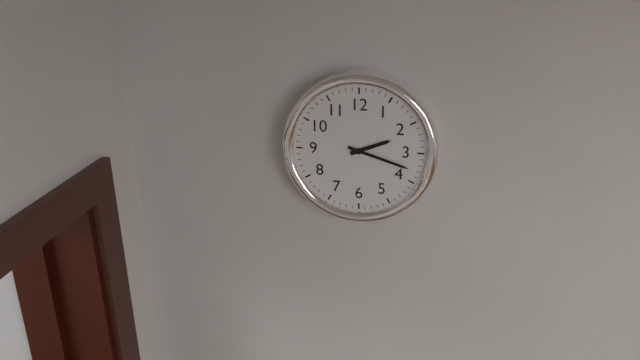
2 h 18 min
